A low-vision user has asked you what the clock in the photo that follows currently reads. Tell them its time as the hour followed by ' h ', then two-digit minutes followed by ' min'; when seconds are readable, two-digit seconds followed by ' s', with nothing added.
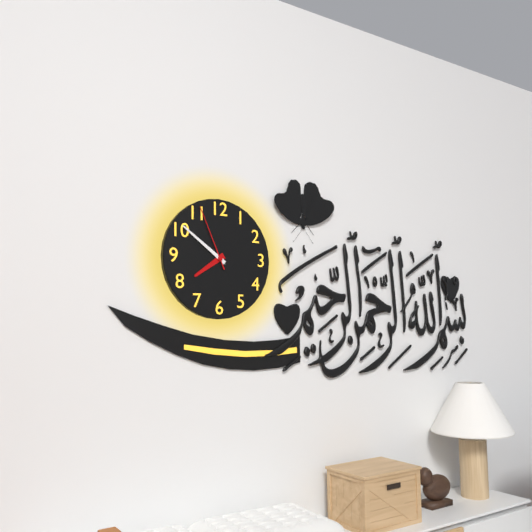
7 h 51 min 56 s
